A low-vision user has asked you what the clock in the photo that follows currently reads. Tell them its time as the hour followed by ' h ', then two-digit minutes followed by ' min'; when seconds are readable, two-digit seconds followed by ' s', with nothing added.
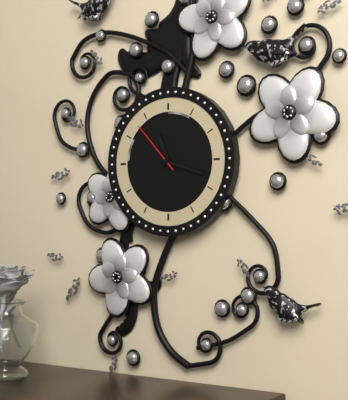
11 h 18 min 53 s
